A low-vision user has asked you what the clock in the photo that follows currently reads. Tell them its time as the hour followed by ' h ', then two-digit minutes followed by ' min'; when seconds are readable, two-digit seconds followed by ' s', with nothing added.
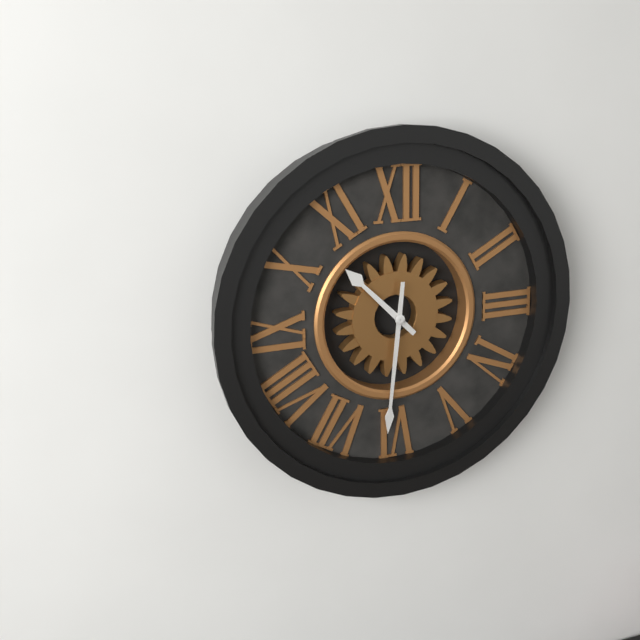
10 h 31 min
